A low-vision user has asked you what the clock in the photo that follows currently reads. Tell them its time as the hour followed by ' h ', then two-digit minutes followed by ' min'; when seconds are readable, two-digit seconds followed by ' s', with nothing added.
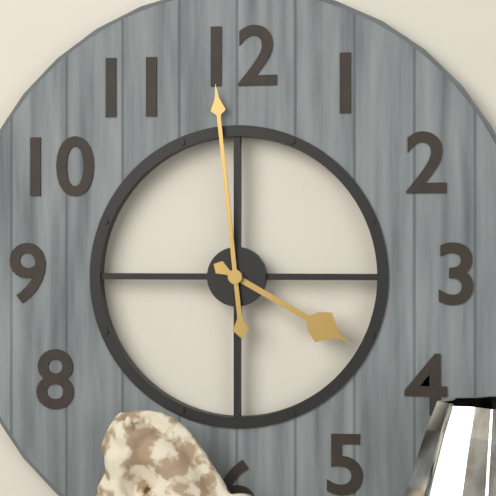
3 h 59 min
